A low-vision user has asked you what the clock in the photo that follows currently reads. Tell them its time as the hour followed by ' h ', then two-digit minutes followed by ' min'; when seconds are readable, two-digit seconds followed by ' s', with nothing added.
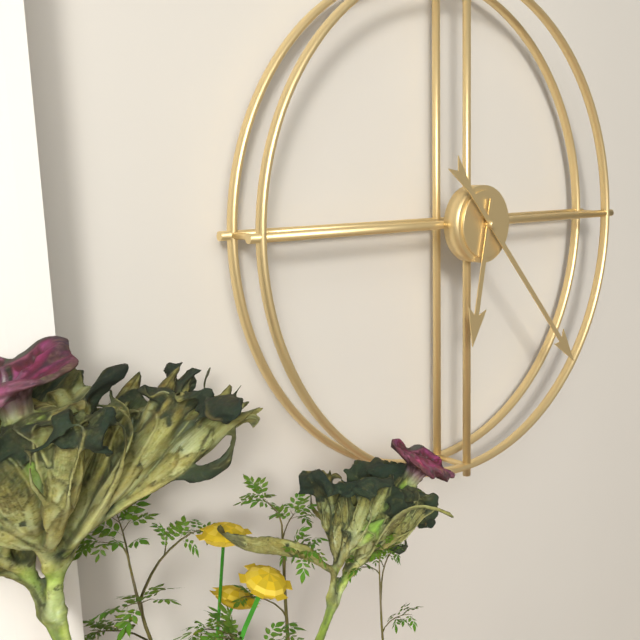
6 h 23 min
